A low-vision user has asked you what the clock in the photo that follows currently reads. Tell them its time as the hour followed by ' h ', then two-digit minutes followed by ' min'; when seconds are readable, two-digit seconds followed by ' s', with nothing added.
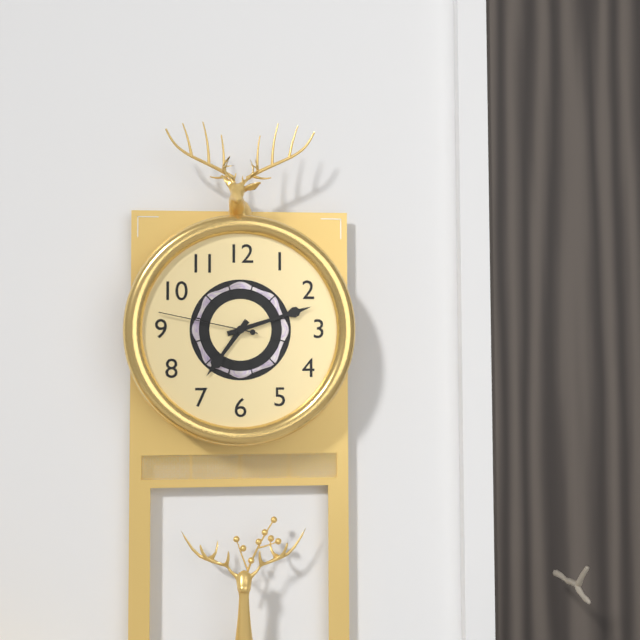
7 h 12 min 47 s
